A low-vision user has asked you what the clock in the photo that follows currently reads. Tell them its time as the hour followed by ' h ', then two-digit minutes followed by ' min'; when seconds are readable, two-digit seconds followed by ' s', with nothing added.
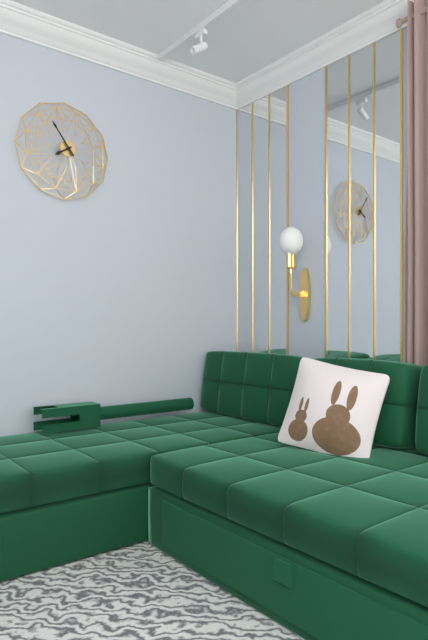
7 h 54 min
